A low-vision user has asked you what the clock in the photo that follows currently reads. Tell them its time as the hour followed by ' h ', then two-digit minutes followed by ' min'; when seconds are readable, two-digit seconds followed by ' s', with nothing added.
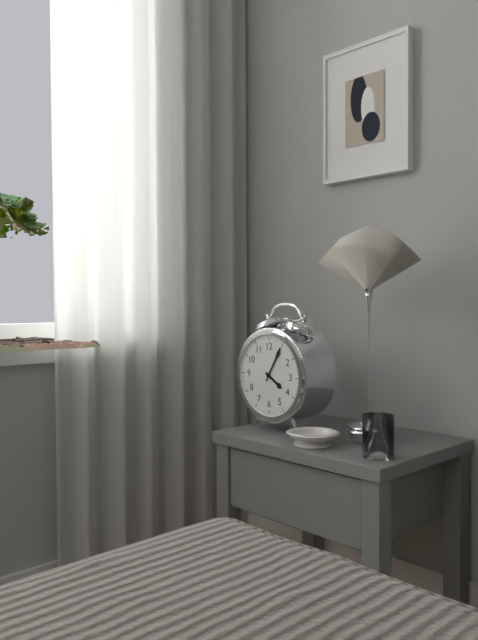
4 h 05 min
